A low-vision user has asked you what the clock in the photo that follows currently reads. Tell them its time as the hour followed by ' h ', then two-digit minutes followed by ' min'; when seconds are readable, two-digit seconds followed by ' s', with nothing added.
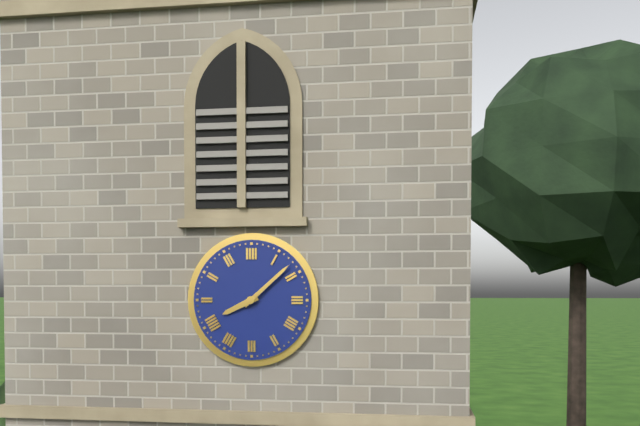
8 h 08 min
